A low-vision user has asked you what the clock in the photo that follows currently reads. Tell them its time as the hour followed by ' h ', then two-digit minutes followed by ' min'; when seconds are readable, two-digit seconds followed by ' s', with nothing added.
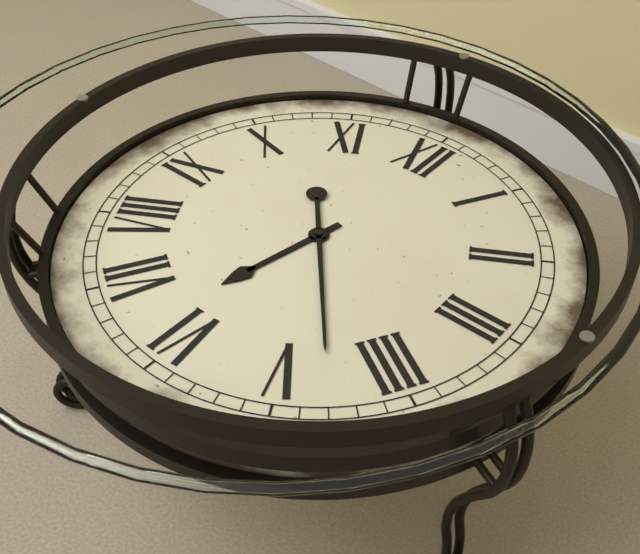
6 h 23 min
